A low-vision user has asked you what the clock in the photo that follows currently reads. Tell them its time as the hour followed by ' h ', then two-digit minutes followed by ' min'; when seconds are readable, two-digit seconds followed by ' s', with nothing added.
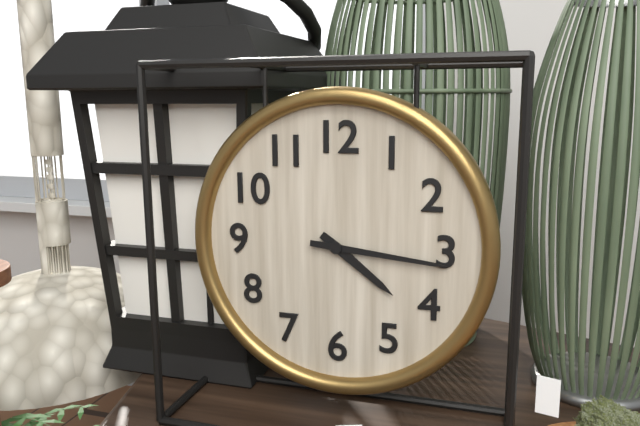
4 h 16 min
